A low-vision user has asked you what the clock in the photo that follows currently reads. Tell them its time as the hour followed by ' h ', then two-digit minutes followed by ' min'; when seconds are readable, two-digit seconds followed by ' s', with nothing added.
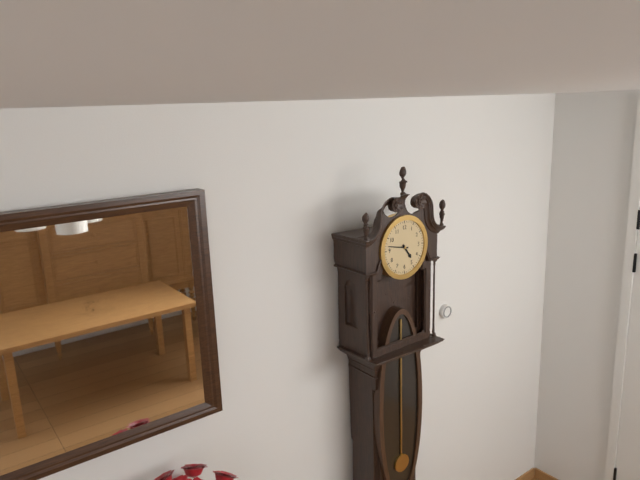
4 h 47 min
